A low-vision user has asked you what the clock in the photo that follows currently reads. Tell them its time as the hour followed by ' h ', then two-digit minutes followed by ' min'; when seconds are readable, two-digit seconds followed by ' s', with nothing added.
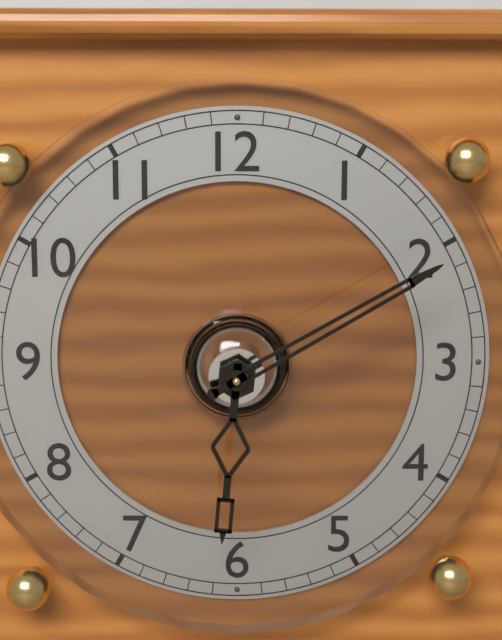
6 h 10 min
